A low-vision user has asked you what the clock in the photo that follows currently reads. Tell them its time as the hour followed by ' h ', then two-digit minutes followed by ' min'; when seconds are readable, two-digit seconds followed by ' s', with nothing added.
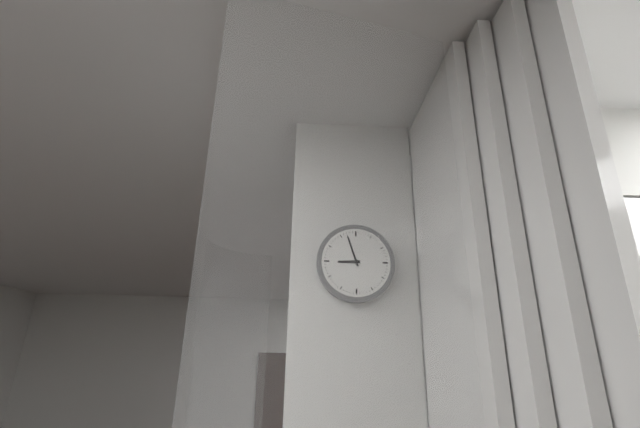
8 h 57 min
